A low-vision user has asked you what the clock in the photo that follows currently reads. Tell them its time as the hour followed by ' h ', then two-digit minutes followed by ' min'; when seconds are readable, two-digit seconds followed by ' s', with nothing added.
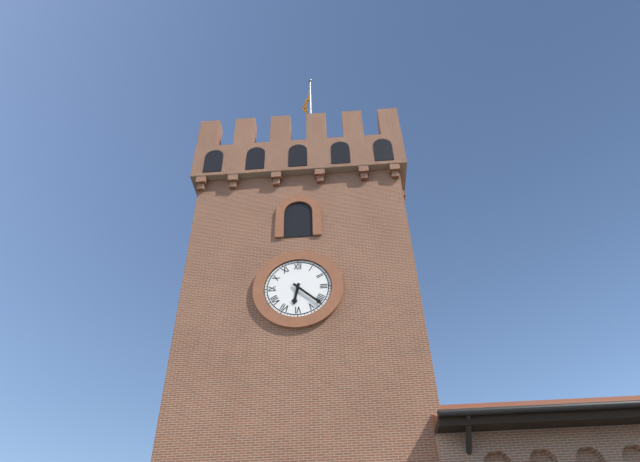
6 h 22 min
